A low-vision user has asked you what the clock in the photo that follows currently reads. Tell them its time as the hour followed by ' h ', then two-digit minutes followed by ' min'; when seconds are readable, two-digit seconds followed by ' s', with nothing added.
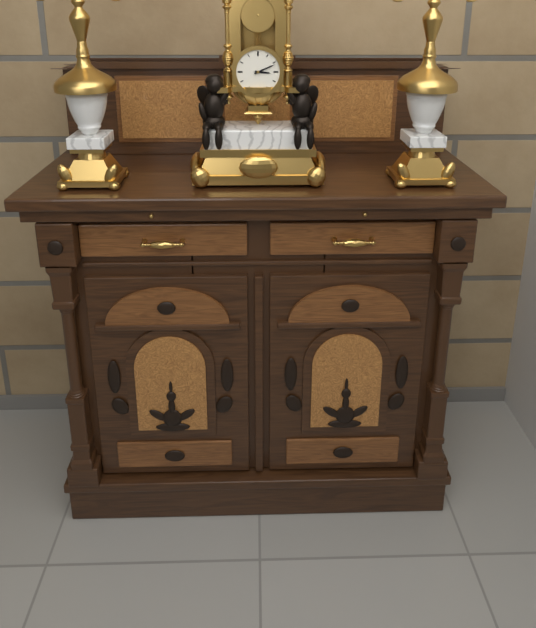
3 h 11 min
